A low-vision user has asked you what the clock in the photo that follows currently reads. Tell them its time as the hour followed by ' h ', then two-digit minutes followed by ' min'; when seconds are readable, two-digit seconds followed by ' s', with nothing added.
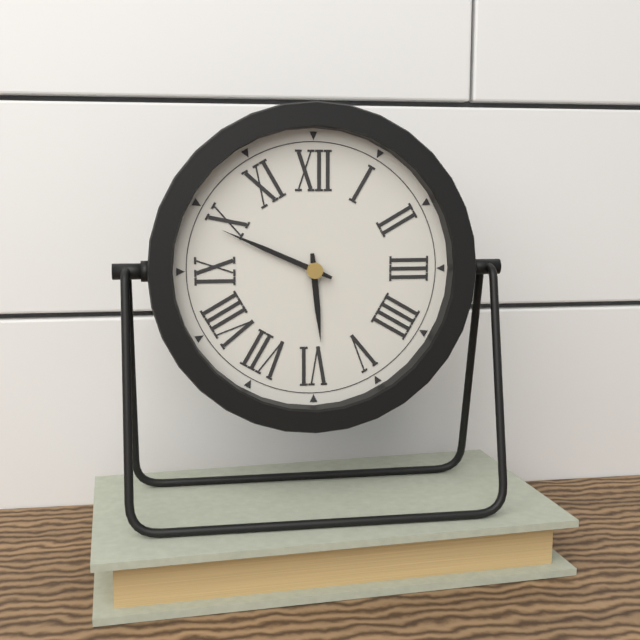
5 h 49 min
